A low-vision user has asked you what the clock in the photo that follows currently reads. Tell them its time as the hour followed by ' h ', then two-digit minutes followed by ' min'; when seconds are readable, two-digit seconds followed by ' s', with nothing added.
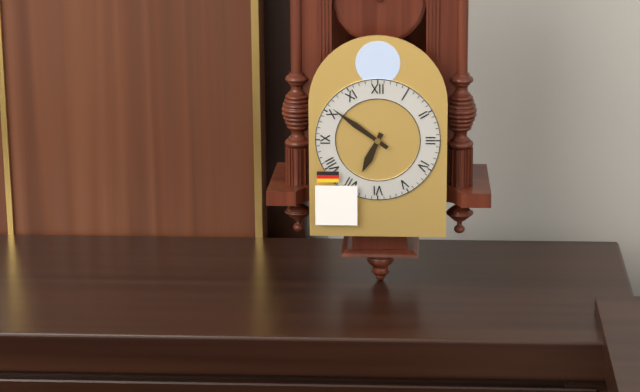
6 h 51 min
